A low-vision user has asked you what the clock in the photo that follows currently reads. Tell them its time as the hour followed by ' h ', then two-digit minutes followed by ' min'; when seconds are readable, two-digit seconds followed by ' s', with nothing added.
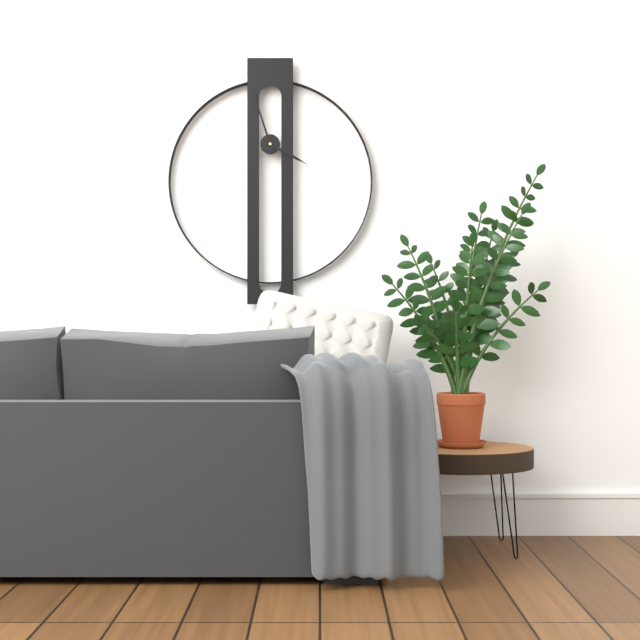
3 h 57 min
